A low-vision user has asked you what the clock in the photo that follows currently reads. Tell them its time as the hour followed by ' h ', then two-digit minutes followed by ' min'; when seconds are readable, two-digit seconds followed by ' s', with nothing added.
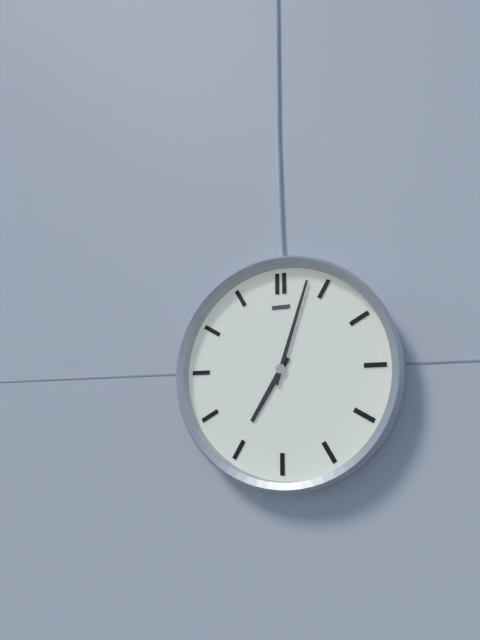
7 h 03 min
